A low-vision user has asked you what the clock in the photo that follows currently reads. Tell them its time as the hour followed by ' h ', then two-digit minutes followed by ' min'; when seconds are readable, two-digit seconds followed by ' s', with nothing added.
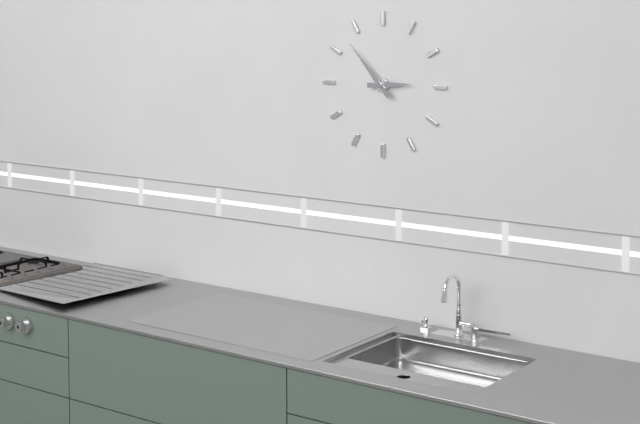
2 h 53 min
